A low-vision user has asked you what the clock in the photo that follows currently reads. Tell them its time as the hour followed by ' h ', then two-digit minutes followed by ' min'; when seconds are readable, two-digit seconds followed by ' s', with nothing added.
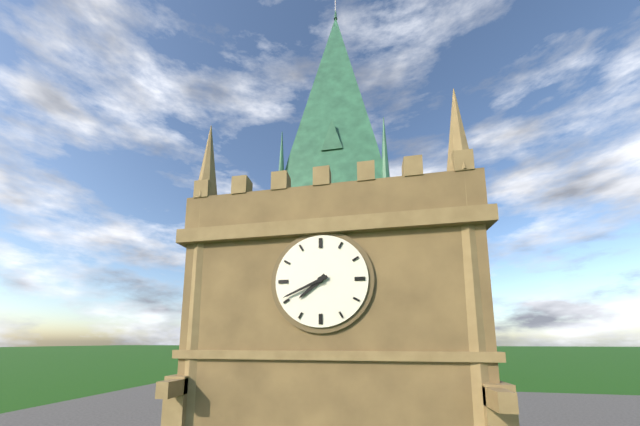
7 h 41 min
